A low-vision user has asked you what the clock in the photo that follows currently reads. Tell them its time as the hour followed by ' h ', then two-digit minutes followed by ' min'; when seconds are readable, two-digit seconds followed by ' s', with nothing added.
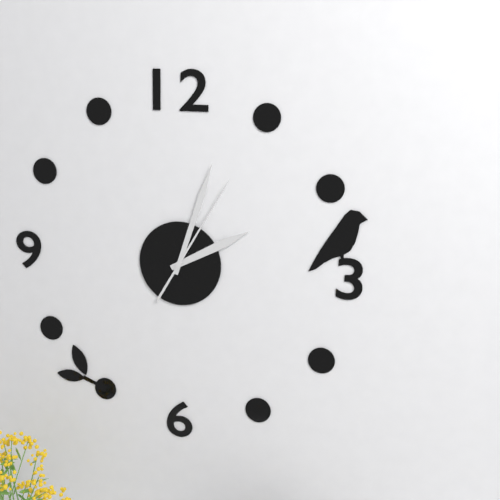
2 h 03 min 05 s
